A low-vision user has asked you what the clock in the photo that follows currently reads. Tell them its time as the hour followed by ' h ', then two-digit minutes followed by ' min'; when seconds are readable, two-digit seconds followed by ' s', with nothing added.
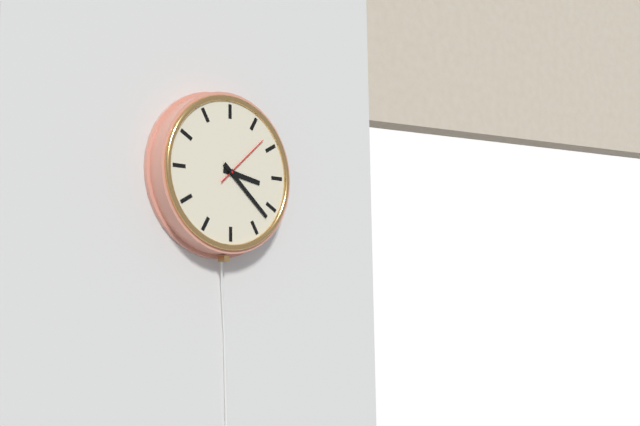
3 h 22 min 08 s
